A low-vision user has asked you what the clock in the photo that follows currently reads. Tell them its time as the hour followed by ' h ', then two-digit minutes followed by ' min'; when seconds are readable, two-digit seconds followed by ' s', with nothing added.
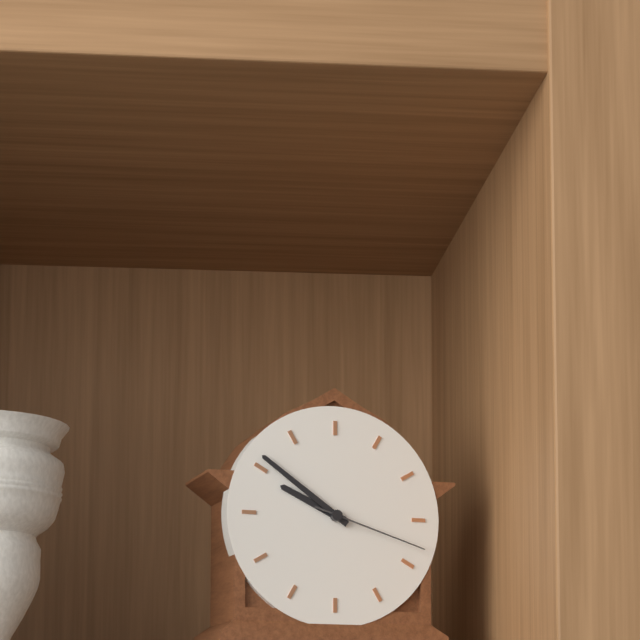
9 h 51 min 18 s
